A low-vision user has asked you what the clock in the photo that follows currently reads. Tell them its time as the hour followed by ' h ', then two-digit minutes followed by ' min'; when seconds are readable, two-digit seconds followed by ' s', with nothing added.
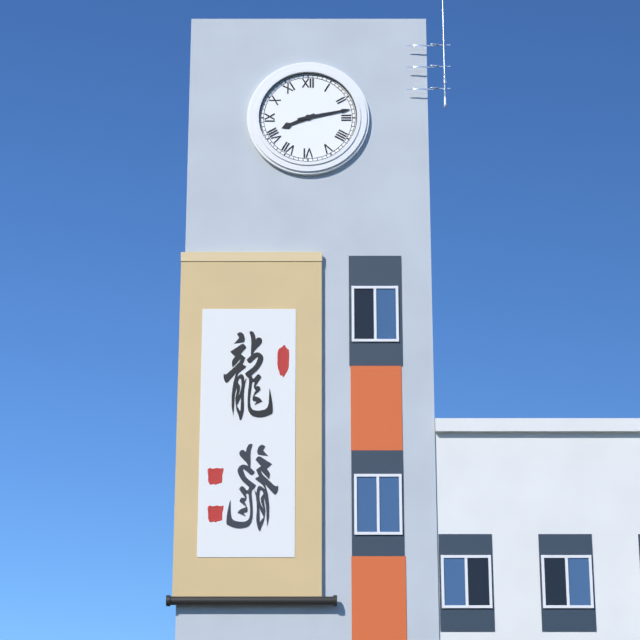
8 h 13 min
